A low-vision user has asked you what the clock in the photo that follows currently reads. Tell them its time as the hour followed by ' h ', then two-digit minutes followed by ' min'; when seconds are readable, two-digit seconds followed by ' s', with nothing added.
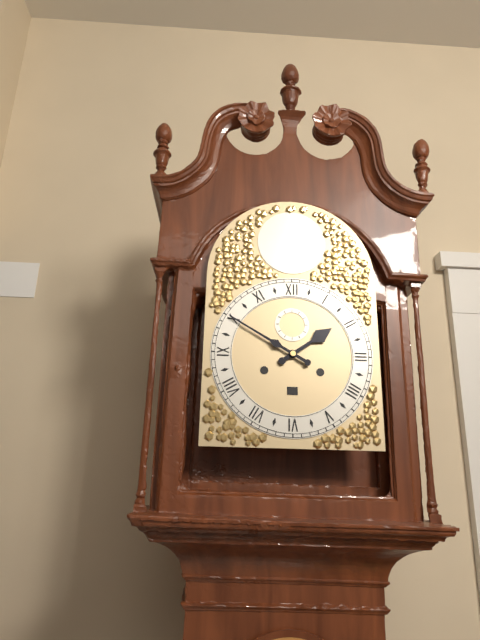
1 h 50 min
